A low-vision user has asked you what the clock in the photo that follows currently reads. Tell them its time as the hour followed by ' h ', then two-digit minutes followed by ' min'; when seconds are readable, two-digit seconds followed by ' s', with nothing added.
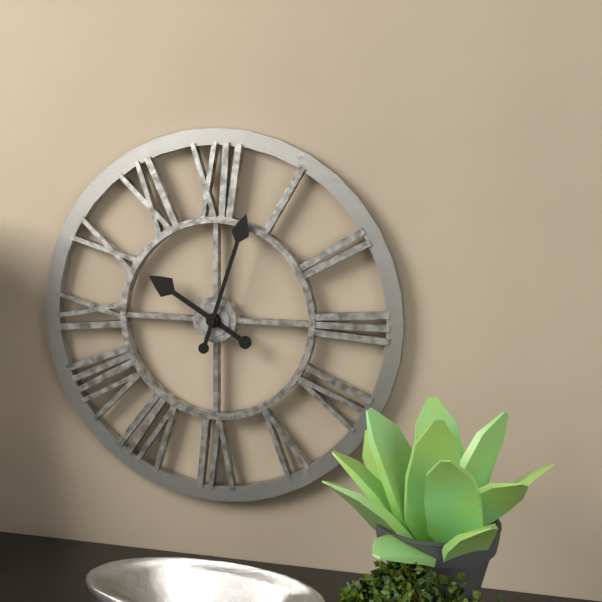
10 h 03 min
